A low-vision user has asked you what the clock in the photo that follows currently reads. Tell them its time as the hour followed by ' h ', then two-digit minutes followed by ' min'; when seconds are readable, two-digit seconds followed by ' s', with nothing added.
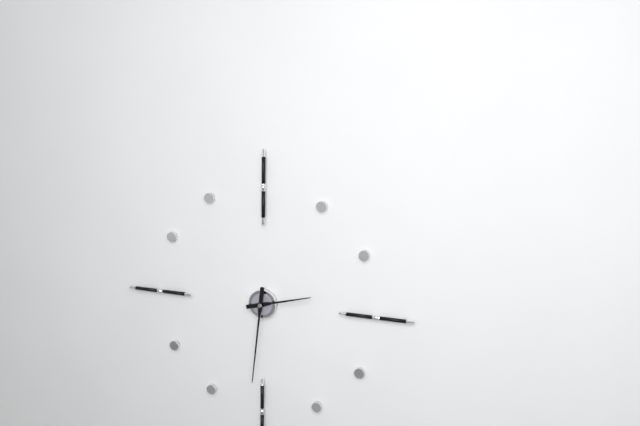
2 h 31 min
